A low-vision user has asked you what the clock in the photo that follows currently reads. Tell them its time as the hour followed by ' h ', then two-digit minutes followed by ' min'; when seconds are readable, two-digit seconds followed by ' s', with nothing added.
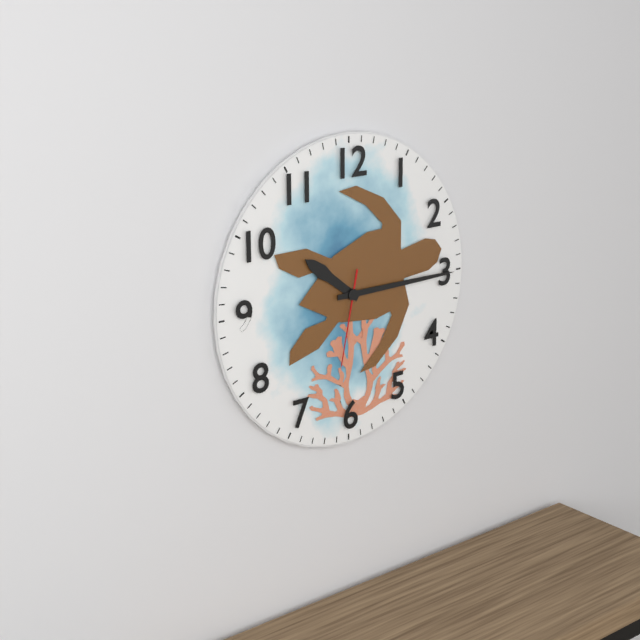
10 h 15 min 32 s
